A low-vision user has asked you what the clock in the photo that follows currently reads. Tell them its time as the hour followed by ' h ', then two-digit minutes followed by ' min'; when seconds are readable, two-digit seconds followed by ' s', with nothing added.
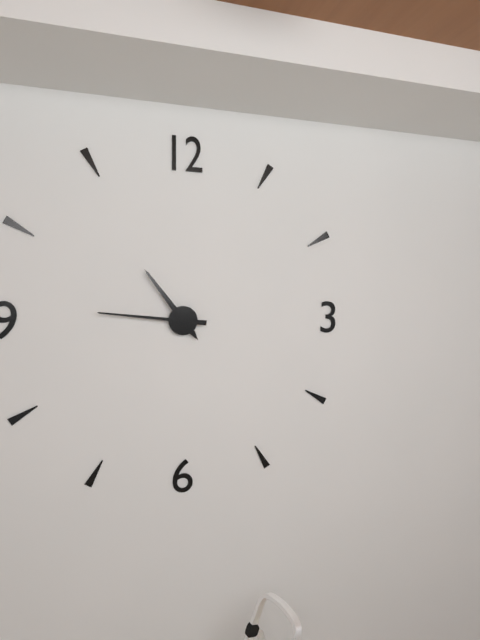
10 h 46 min
